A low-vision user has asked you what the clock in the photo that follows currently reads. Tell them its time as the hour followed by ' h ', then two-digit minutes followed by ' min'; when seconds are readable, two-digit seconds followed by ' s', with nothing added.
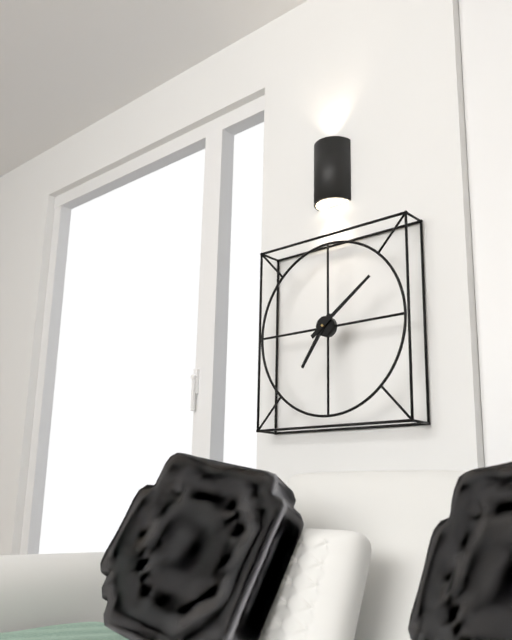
7 h 09 min
